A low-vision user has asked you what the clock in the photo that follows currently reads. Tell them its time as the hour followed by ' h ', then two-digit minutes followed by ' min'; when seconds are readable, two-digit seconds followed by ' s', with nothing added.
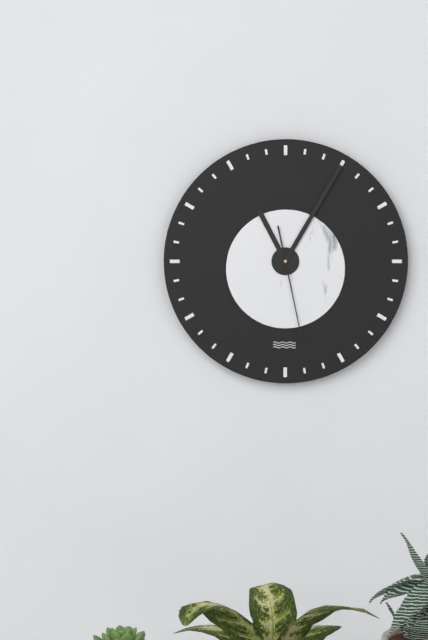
11 h 05 min 28 s
